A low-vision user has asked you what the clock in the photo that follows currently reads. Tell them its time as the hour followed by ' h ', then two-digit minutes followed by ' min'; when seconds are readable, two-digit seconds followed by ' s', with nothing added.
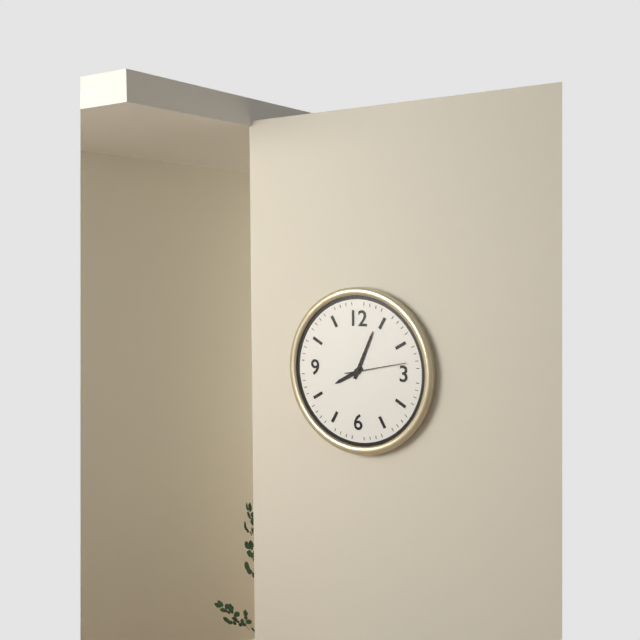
8 h 04 min 13 s
